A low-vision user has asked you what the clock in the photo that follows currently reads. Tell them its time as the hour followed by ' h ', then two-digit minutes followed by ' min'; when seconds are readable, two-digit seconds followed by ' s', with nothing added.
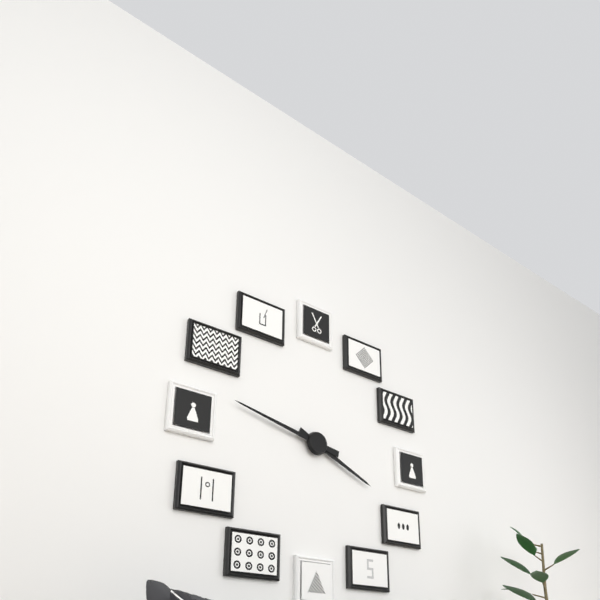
3 h 47 min
